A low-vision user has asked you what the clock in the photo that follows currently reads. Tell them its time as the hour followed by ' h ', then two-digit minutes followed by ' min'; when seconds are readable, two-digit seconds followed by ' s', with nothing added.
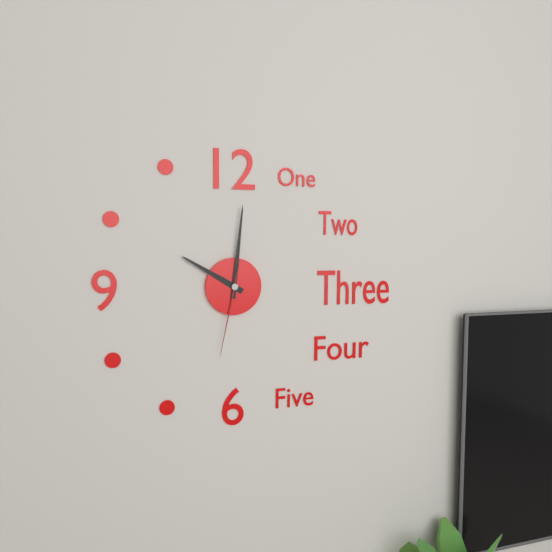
10 h 01 min 32 s
